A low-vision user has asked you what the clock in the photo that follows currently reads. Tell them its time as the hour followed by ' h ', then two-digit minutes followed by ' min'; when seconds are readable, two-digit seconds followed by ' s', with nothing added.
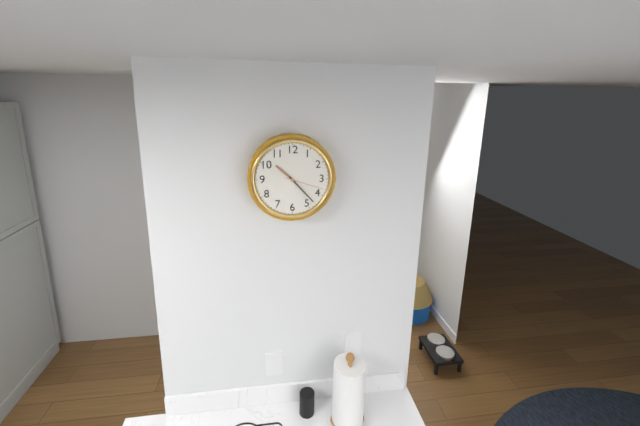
10 h 23 min
